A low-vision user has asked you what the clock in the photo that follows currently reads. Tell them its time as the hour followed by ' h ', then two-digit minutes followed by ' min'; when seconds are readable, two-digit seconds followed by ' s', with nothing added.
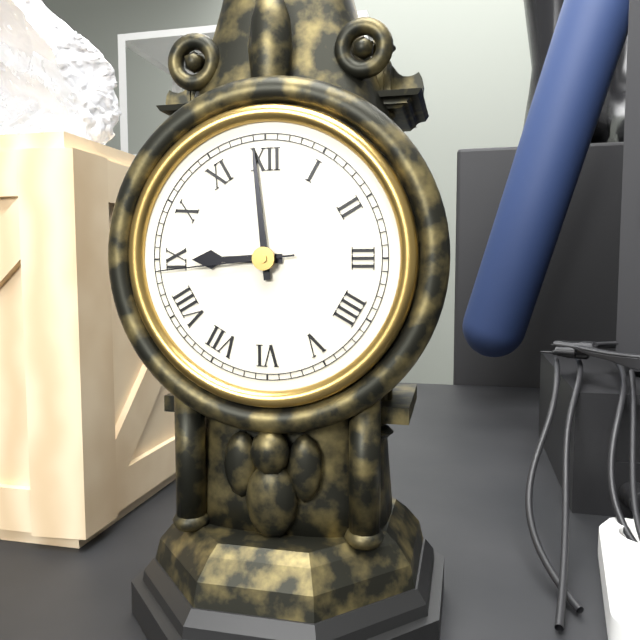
8 h 59 min 44 s
